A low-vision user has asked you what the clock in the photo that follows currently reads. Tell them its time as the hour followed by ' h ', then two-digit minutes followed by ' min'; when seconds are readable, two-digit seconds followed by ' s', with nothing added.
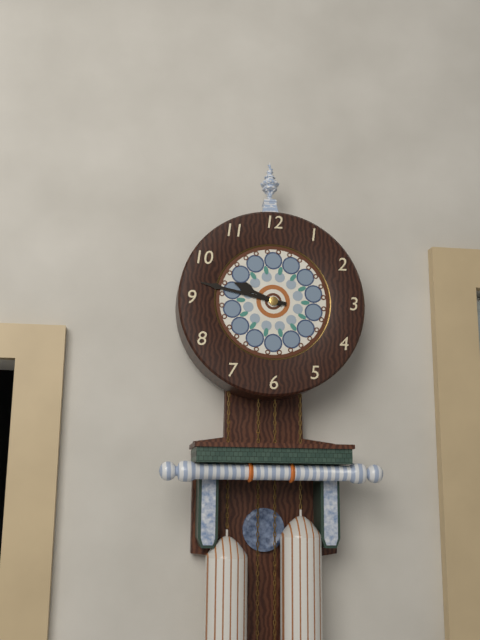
9 h 47 min
